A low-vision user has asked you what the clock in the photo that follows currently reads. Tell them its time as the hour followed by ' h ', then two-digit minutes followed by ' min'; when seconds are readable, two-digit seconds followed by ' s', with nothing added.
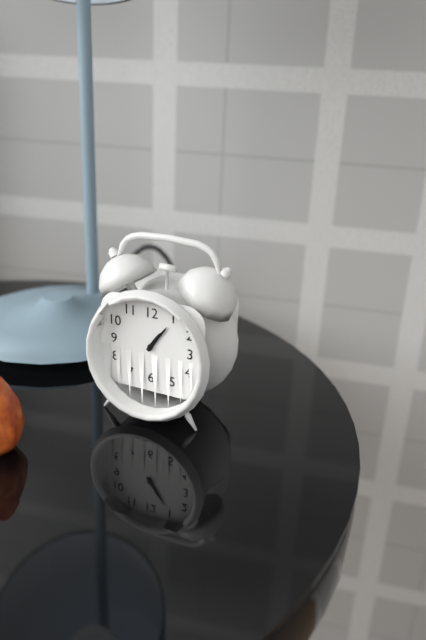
1 h 06 min
